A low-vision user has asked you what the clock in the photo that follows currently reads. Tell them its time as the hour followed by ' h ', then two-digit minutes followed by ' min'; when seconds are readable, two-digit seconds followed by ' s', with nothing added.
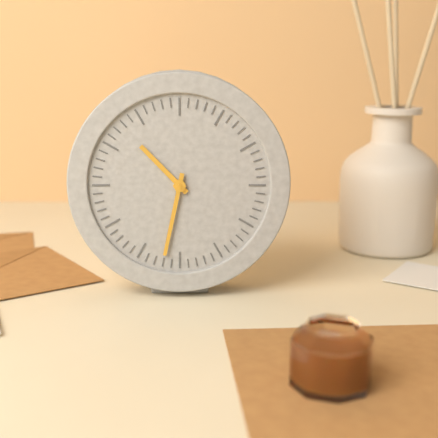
10 h 32 min
